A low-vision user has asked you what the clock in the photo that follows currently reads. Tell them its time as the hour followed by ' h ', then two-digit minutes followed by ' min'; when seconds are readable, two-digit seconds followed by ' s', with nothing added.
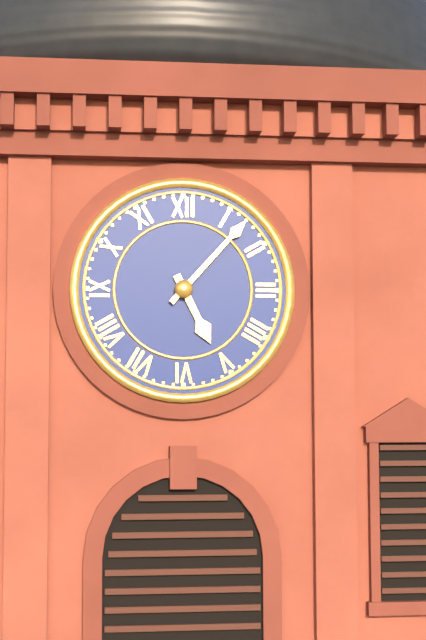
5 h 07 min
